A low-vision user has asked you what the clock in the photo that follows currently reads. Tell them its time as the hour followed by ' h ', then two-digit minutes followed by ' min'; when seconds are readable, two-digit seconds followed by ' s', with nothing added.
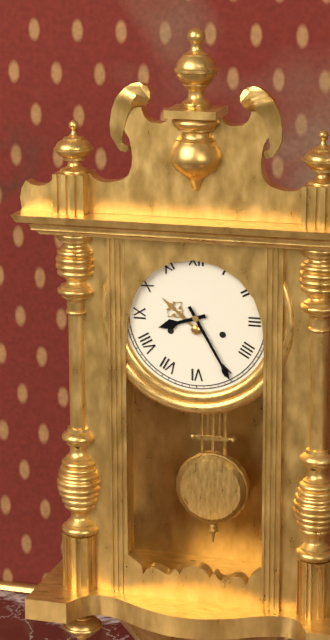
8 h 25 min
